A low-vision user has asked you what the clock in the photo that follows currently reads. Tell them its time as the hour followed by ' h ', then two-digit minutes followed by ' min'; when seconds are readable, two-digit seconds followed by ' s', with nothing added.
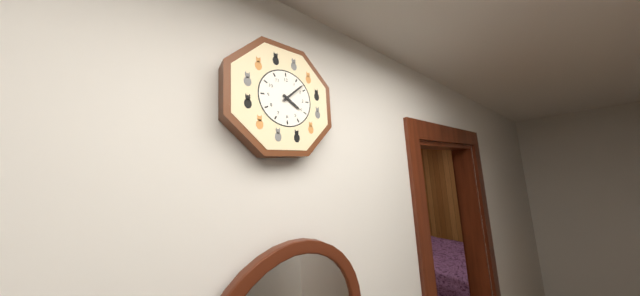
4 h 08 min
